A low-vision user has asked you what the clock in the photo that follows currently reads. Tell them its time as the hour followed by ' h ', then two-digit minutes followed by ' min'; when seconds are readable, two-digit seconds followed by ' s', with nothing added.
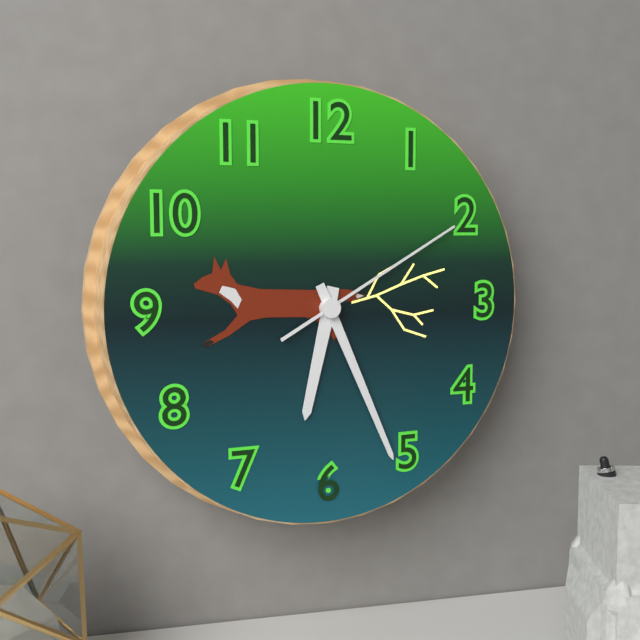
6 h 26 min 10 s
